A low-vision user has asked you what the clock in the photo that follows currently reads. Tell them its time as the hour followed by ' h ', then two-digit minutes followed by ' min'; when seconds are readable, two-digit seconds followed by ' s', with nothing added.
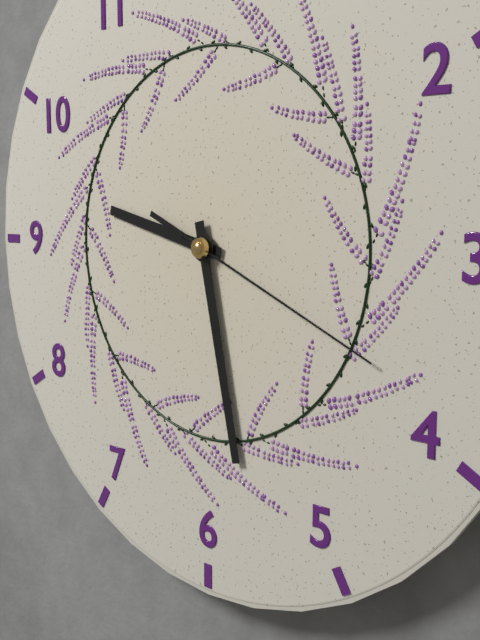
9 h 28 min 19 s
